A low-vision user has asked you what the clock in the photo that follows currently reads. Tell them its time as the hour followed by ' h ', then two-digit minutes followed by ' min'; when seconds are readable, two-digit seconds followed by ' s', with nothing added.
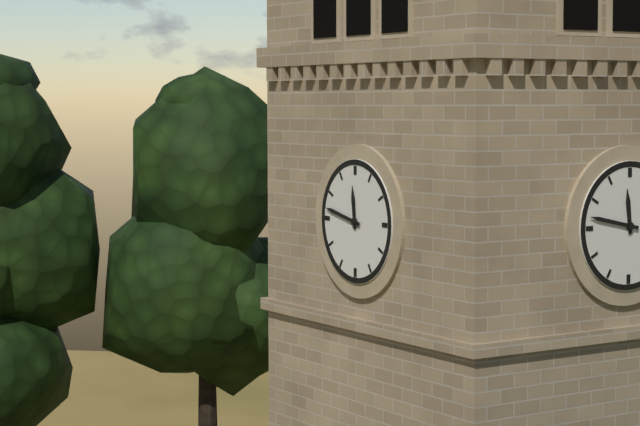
11 h 47 min
